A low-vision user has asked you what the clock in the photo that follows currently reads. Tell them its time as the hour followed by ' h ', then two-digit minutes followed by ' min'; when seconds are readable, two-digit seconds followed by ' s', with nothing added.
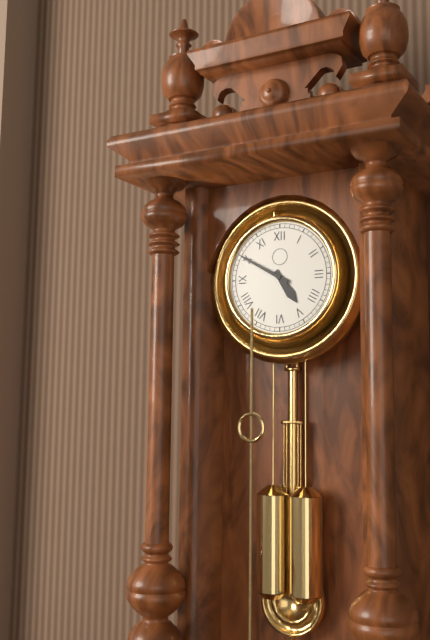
4 h 50 min
